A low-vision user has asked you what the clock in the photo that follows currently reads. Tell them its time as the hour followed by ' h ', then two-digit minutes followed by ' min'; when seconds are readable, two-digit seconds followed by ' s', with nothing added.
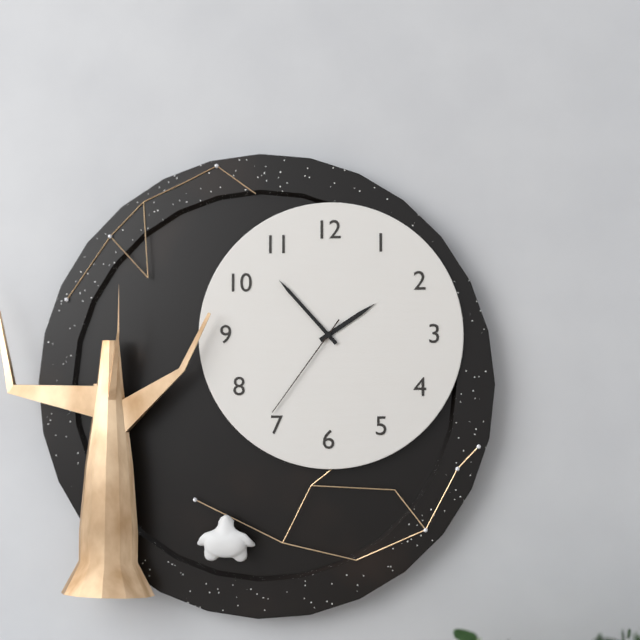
1 h 53 min 36 s
